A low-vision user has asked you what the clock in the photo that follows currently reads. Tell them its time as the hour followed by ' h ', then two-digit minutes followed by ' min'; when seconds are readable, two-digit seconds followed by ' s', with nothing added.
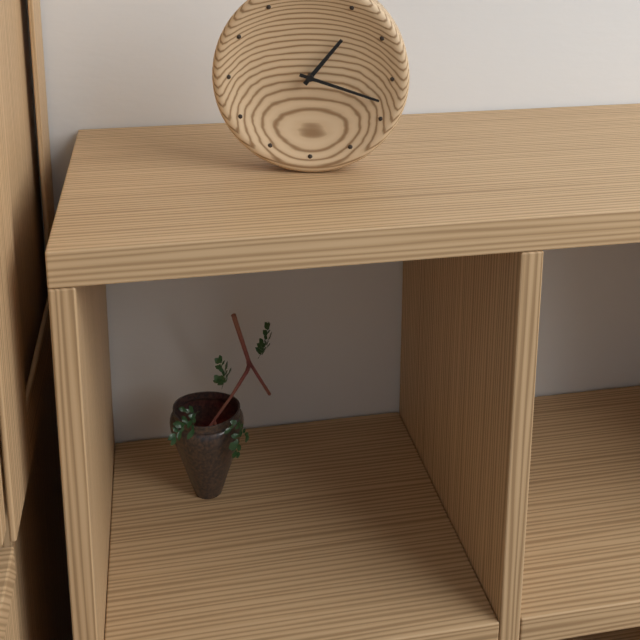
1 h 18 min
